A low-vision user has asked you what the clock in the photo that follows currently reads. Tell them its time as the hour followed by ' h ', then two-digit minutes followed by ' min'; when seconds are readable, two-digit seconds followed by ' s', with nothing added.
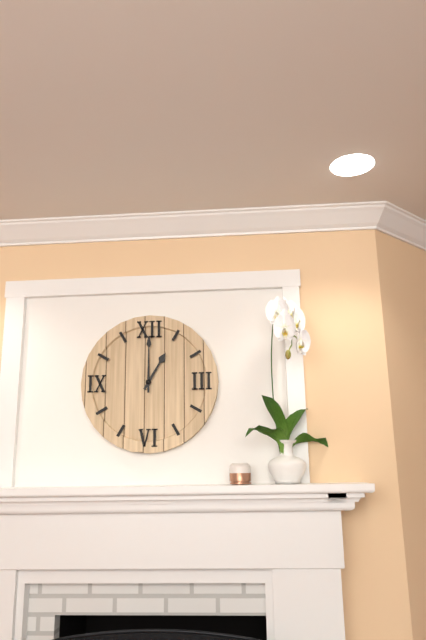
1 h 00 min
